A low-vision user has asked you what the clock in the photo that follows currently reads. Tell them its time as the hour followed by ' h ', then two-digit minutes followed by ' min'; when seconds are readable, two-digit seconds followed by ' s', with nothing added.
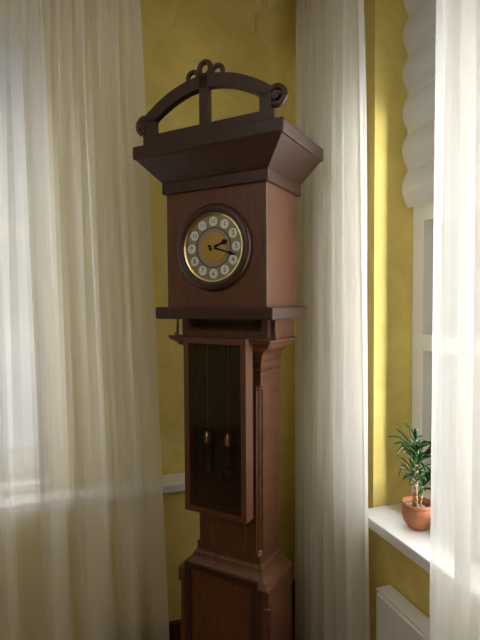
2 h 18 min
